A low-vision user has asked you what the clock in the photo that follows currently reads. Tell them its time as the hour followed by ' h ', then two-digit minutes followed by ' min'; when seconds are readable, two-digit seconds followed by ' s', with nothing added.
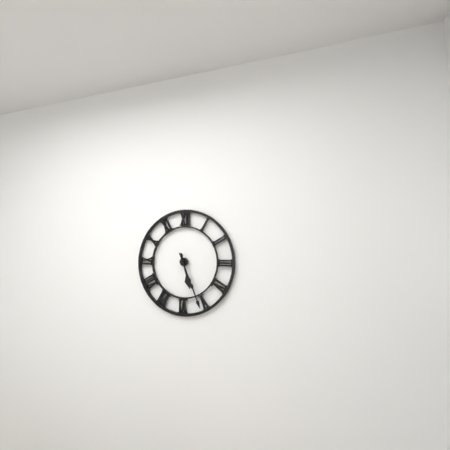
5 h 26 min
